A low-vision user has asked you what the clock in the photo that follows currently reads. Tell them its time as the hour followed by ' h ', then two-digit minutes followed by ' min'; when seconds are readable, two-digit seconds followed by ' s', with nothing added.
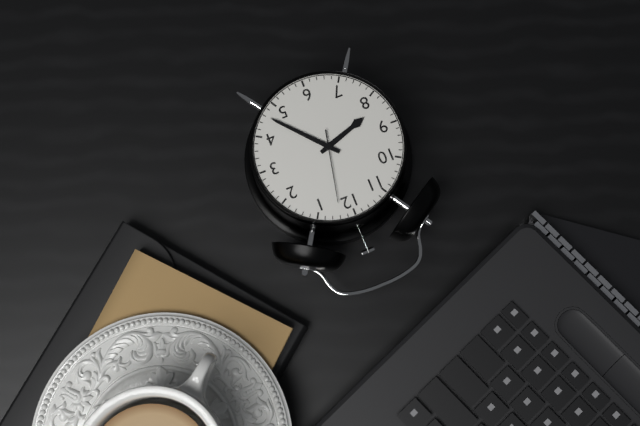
8 h 23 min 02 s
